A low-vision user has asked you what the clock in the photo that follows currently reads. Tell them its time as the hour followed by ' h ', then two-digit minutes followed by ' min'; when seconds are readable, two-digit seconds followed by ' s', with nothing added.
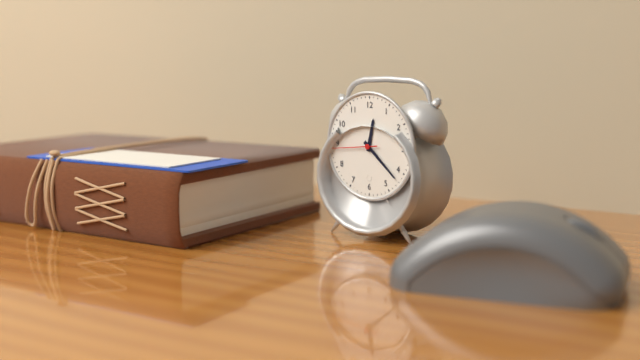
12 h 22 min
